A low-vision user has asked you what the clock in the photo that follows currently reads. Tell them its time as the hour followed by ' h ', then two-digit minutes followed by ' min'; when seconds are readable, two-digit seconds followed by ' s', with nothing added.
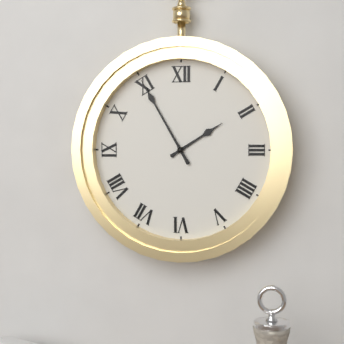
1 h 55 min
